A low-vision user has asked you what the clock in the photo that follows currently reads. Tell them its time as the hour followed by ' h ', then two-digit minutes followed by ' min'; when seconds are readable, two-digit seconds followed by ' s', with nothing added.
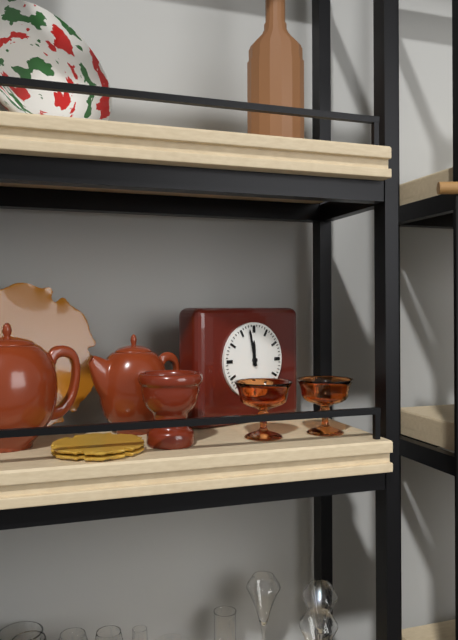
11 h 58 min
